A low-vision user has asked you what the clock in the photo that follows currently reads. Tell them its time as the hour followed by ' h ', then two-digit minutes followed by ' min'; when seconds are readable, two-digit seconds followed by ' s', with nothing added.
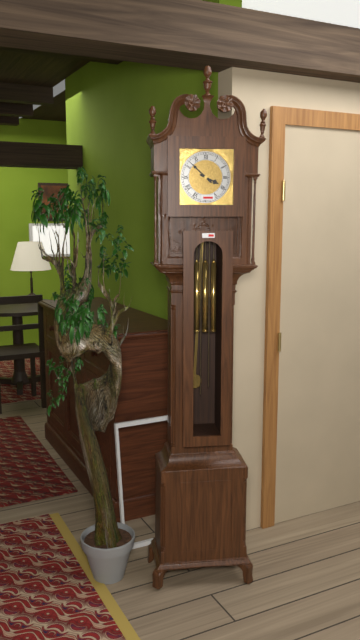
3 h 52 min
